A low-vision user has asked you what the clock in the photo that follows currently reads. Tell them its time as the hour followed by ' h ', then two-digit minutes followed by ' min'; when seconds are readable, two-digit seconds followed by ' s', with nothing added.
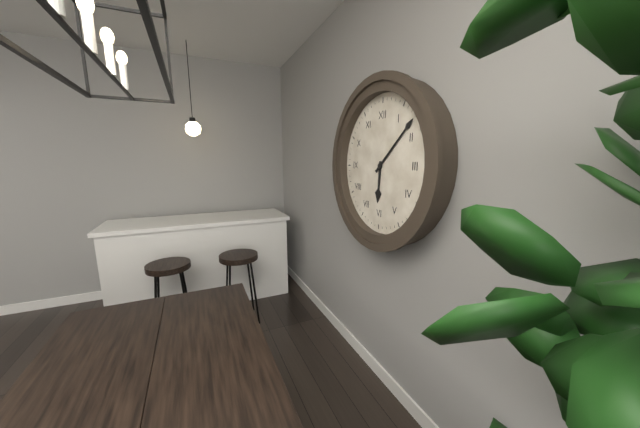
6 h 08 min
